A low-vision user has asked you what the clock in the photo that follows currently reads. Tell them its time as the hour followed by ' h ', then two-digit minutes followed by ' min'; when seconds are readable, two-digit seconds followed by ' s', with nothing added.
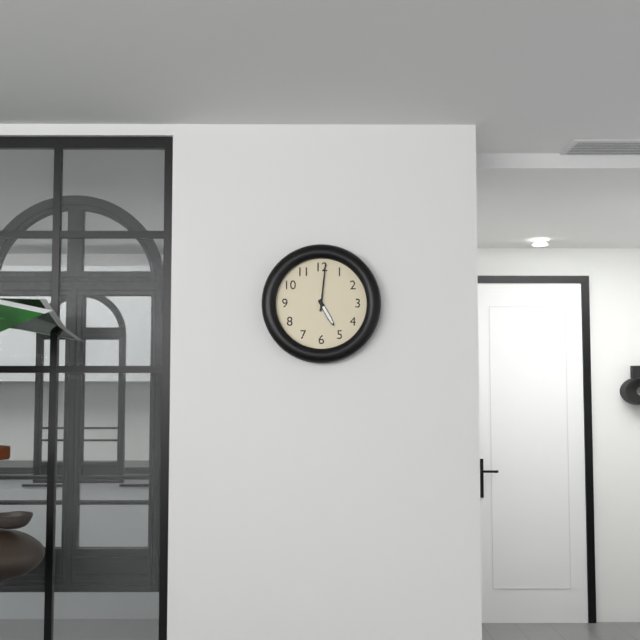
5 h 01 min
